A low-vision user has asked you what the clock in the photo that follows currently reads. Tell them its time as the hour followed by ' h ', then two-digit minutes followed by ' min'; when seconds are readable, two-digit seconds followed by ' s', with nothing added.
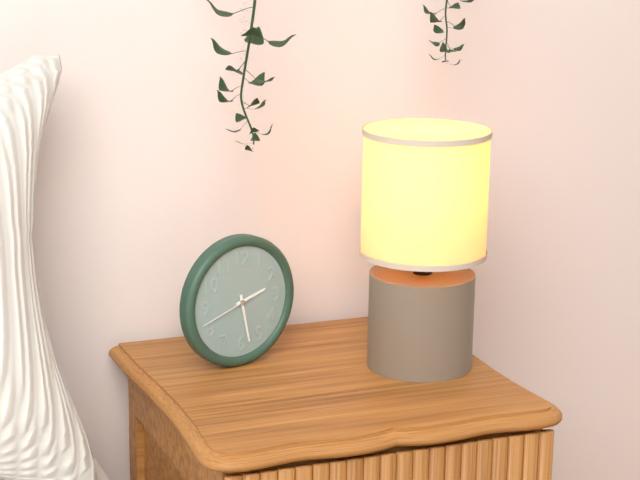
2 h 28 min 42 s
